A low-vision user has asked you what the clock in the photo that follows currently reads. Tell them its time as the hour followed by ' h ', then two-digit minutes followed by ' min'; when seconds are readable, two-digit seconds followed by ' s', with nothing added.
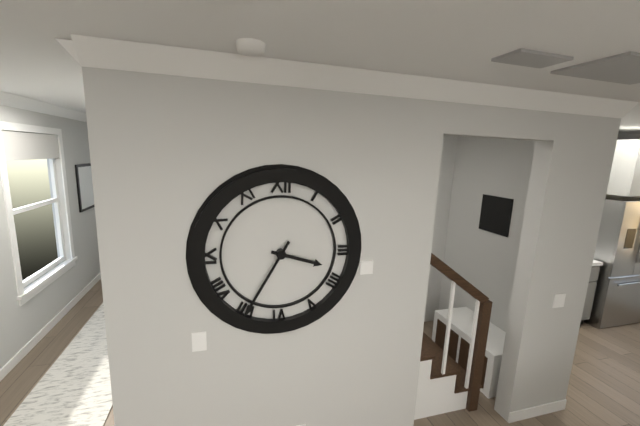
3 h 35 min
